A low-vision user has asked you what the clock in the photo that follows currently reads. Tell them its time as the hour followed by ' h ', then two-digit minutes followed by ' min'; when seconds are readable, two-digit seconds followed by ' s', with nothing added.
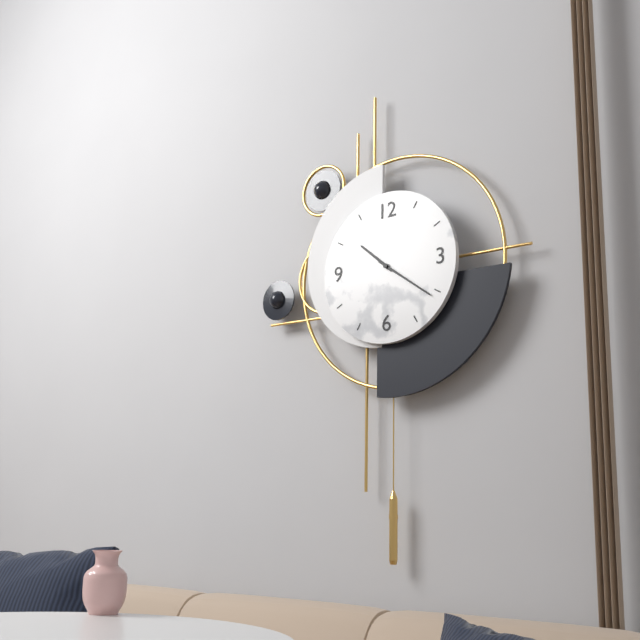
10 h 21 min
